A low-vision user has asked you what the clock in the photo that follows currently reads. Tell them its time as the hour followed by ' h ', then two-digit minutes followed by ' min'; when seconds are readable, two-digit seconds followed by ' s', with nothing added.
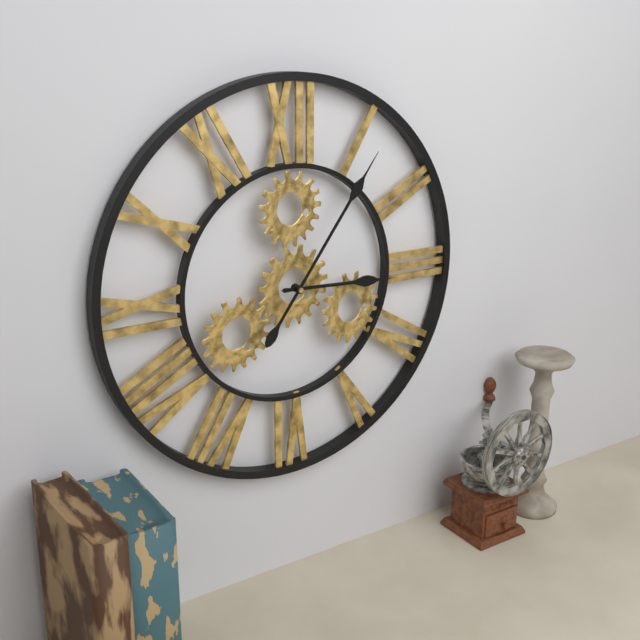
3 h 06 min
